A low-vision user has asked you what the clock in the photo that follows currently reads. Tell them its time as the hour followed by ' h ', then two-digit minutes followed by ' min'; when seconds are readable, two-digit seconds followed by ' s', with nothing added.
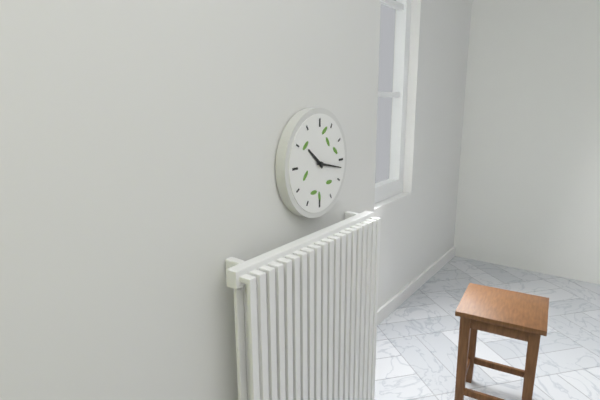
10 h 17 min
